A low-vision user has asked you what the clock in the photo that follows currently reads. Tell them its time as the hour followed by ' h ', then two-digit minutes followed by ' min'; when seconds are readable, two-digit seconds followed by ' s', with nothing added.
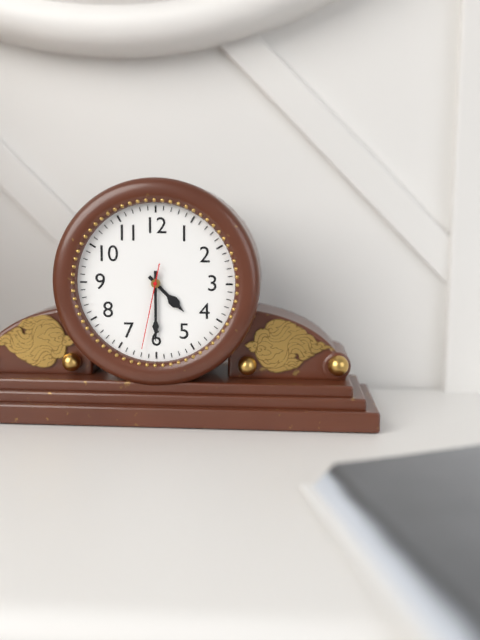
4 h 30 min 32 s
